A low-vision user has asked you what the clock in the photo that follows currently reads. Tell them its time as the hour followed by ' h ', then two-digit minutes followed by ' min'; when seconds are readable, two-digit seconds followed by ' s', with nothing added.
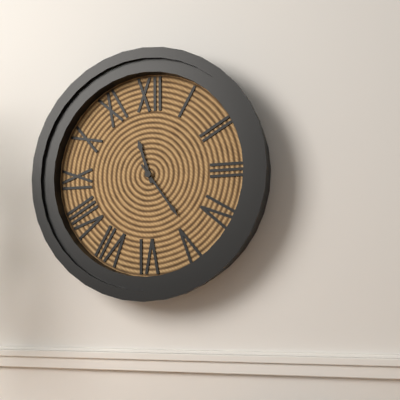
11 h 24 min
